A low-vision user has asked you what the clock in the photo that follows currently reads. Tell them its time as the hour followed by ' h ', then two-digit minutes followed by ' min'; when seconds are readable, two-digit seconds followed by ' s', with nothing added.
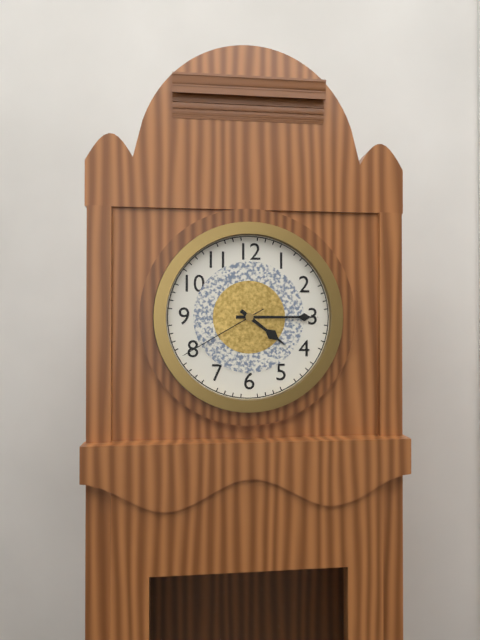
4 h 15 min 40 s
